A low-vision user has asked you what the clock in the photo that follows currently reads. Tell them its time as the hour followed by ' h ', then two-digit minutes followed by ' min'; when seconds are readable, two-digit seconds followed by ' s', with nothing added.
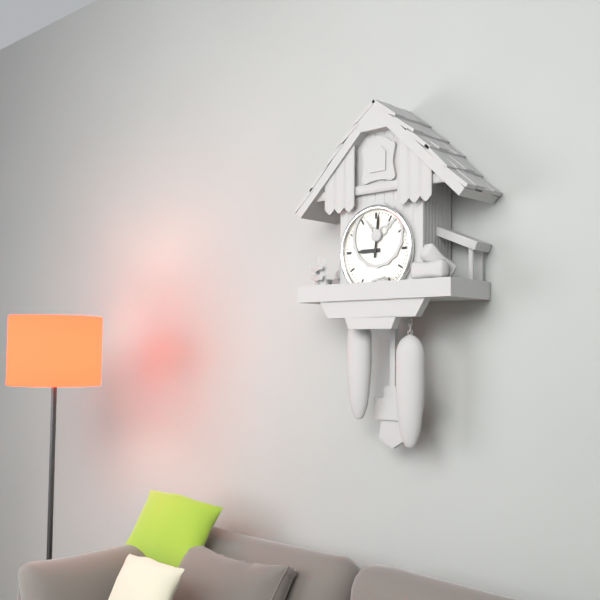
9 h 01 min
